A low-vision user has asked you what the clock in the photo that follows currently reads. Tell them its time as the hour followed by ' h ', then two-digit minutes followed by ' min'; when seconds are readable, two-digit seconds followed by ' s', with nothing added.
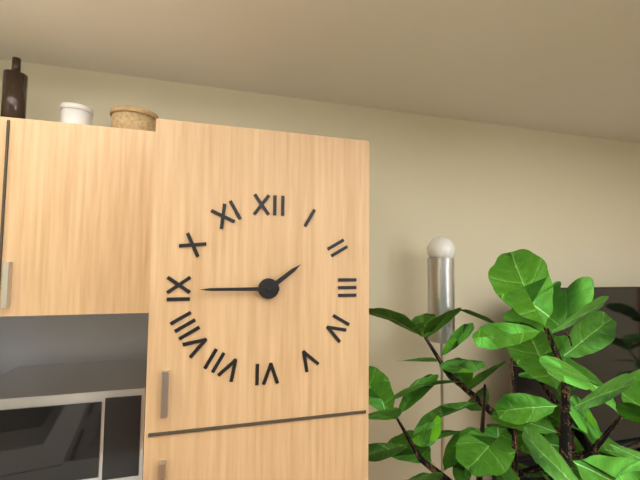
1 h 45 min
